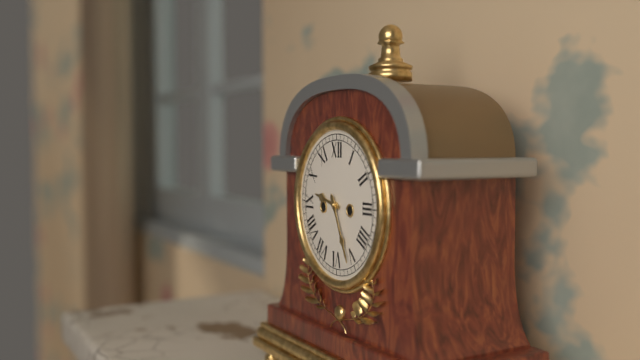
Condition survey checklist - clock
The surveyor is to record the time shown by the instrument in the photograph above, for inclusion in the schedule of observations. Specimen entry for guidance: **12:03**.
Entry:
**9:26**
